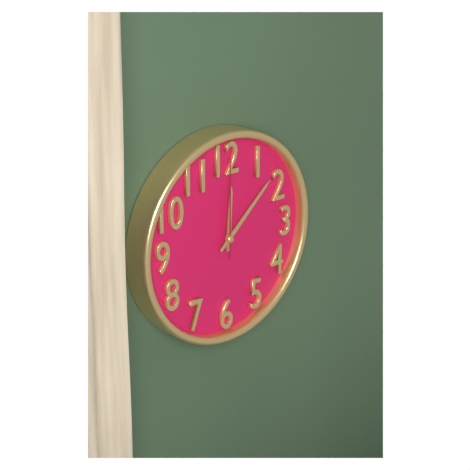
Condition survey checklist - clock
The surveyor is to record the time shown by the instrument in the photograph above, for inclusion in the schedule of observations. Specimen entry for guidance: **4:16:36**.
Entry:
**12:08:00**
